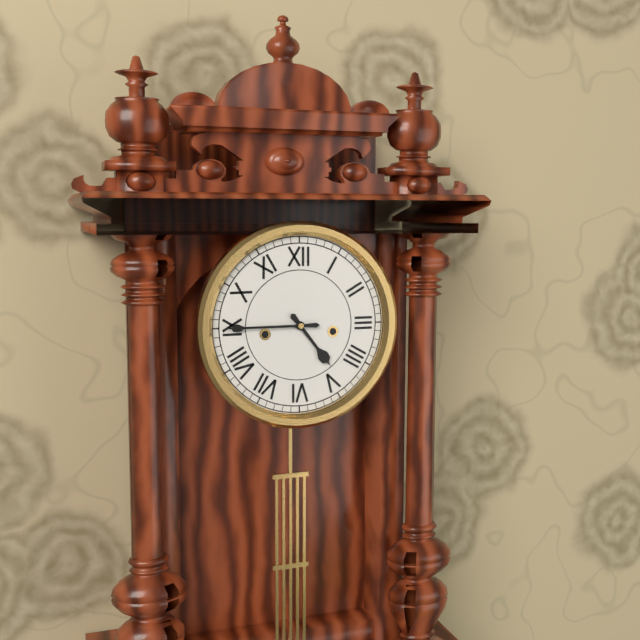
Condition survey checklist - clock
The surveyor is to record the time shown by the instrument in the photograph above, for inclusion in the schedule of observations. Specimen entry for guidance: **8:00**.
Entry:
**4:45**
